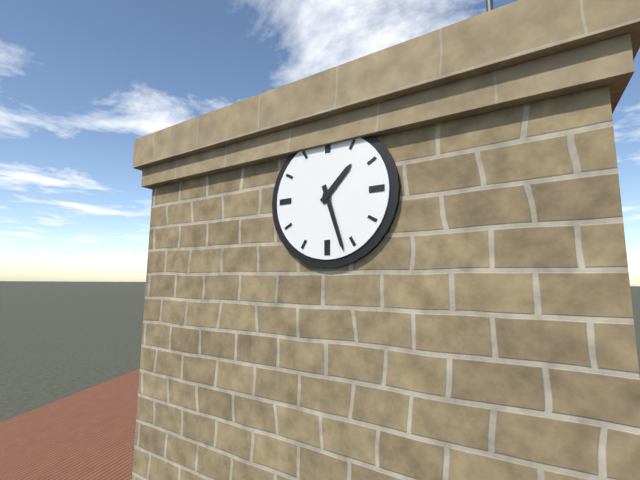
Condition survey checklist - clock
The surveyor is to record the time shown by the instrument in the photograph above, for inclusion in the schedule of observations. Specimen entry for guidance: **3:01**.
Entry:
**1:27**
